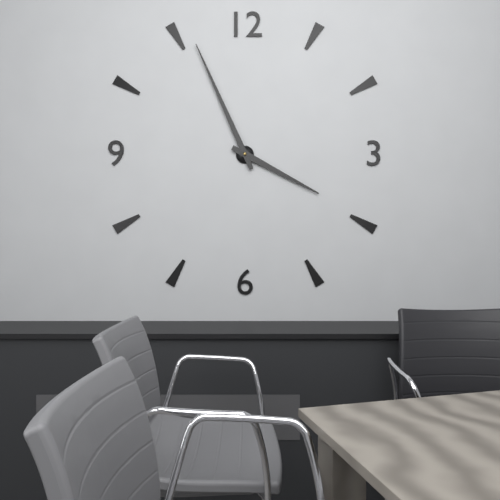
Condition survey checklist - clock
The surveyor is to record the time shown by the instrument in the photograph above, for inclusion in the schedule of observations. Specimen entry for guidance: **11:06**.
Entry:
**3:56**
